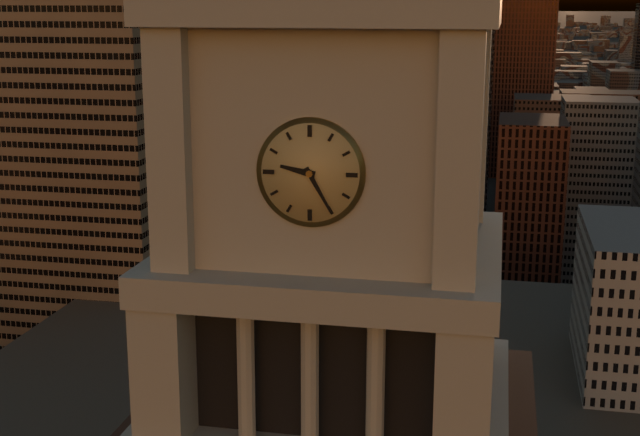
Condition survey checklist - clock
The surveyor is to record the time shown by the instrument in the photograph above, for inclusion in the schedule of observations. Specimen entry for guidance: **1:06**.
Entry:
**9:25**
